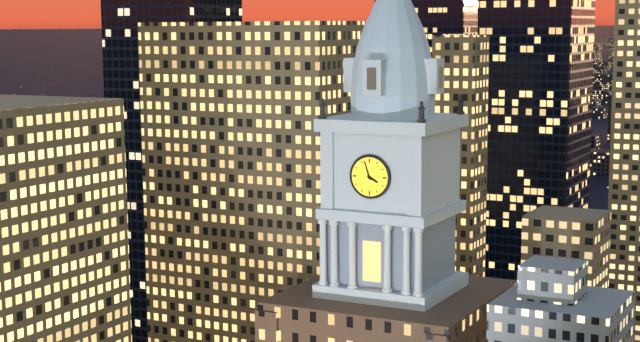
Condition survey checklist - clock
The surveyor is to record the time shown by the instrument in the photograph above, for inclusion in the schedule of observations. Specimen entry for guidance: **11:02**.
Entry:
**3:57**
